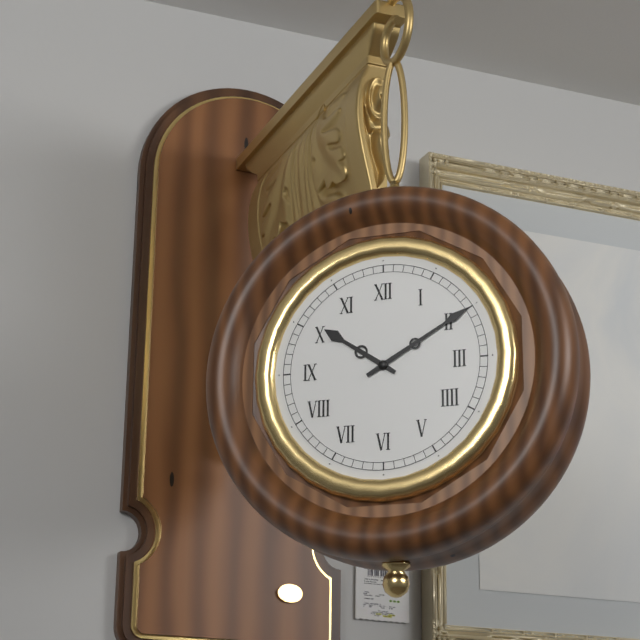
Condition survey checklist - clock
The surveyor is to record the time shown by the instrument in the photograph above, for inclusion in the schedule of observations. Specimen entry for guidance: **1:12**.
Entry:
**10:10**
